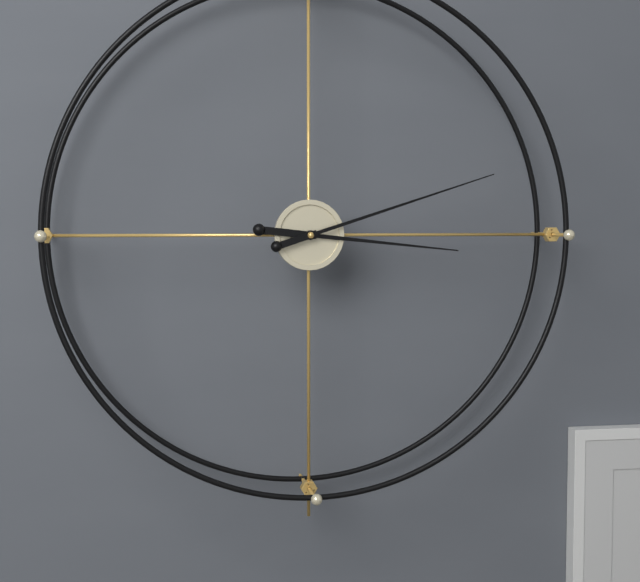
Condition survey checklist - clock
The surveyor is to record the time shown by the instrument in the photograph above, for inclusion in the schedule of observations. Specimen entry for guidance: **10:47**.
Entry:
**3:12**
